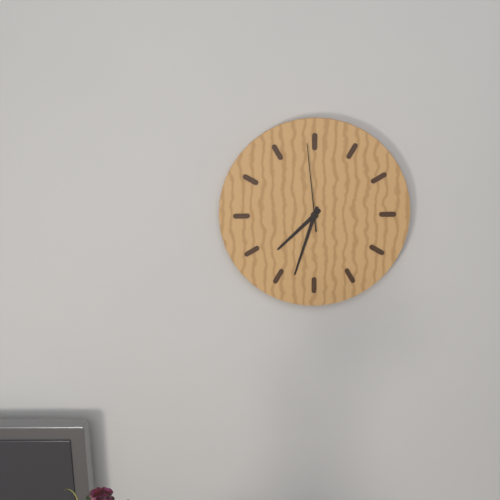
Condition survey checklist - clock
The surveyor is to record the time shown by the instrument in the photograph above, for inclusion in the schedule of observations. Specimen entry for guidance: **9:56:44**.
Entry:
**7:33:59**
